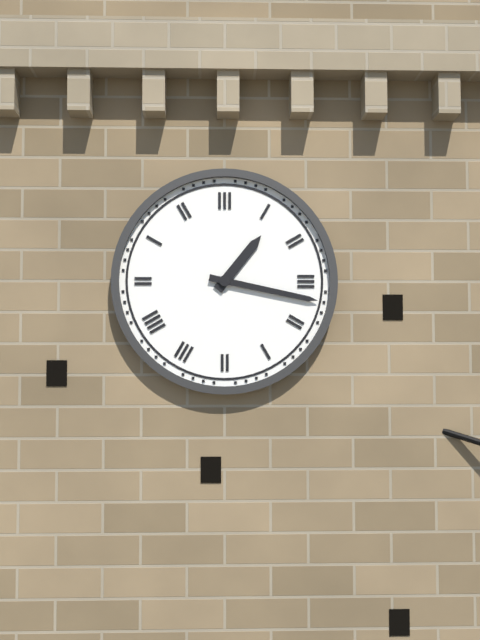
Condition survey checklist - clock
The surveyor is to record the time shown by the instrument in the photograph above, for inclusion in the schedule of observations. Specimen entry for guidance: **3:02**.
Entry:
**1:17**
